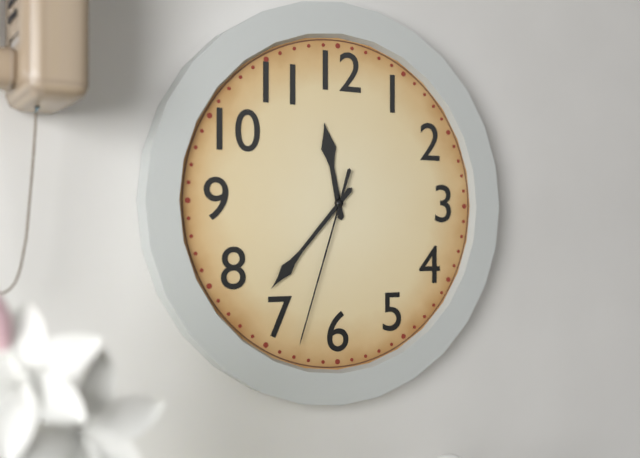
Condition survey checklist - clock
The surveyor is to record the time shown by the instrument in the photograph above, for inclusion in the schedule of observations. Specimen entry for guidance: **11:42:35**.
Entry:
**11:37:33**
